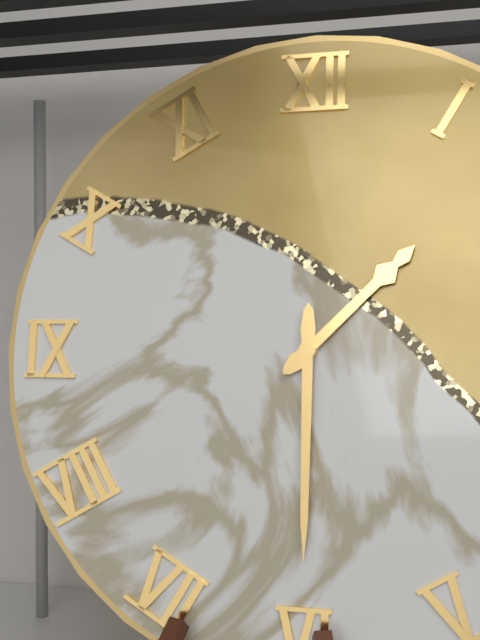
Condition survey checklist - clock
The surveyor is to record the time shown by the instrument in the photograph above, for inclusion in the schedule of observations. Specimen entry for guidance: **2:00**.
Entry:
**1:30**
